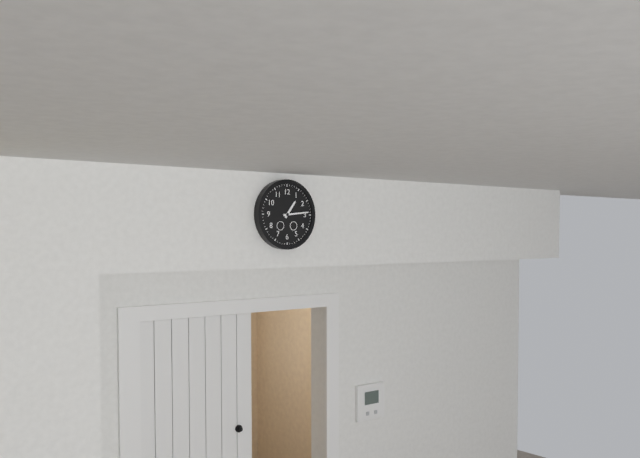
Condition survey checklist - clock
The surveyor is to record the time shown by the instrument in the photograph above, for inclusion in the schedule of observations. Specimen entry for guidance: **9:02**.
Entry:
**1:14**
